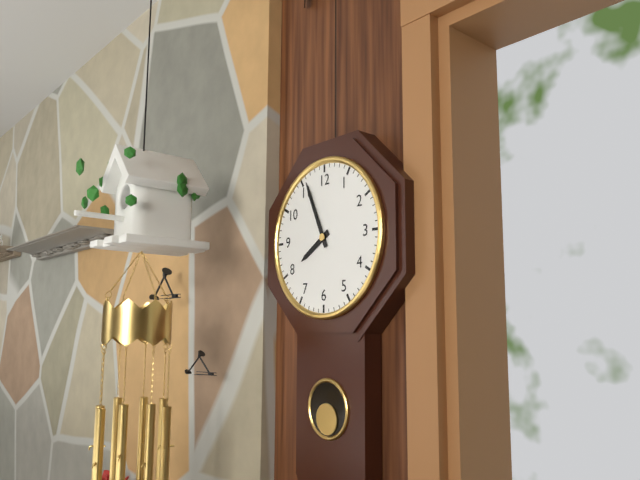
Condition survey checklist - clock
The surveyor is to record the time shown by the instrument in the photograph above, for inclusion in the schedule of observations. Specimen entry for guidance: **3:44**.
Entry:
**7:56**
